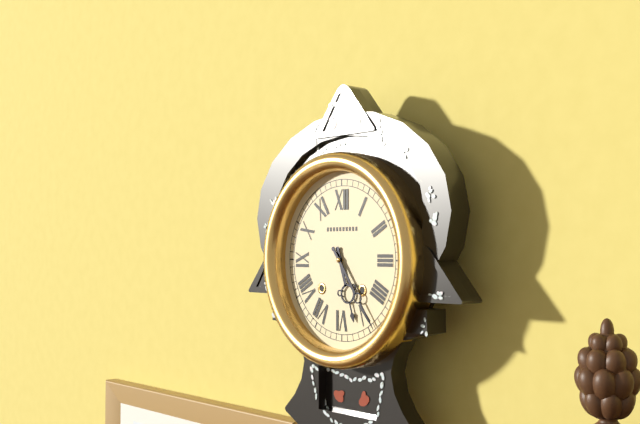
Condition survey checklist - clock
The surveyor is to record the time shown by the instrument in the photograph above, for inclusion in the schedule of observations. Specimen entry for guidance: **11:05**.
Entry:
**5:24**
